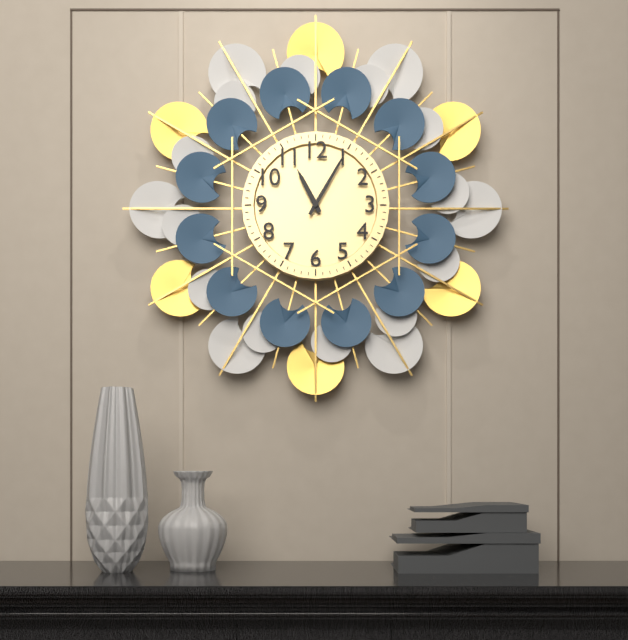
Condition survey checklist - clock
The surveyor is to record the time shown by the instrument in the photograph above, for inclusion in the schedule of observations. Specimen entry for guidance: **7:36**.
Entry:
**11:05**
